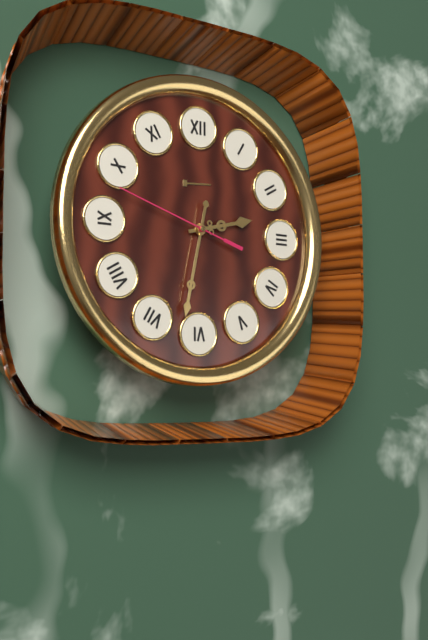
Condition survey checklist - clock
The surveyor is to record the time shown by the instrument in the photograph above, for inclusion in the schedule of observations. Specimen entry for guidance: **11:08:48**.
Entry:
**2:32:48**
